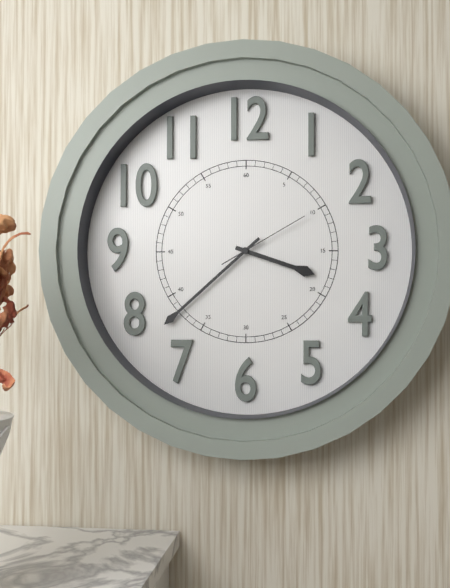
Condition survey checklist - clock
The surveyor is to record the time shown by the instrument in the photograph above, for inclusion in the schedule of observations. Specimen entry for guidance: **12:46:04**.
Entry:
**3:38:10**
